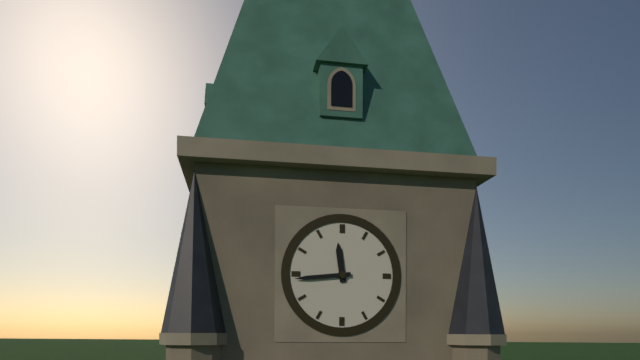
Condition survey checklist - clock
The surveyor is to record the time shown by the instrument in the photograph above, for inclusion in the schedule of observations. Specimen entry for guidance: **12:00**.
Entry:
**11:44**
